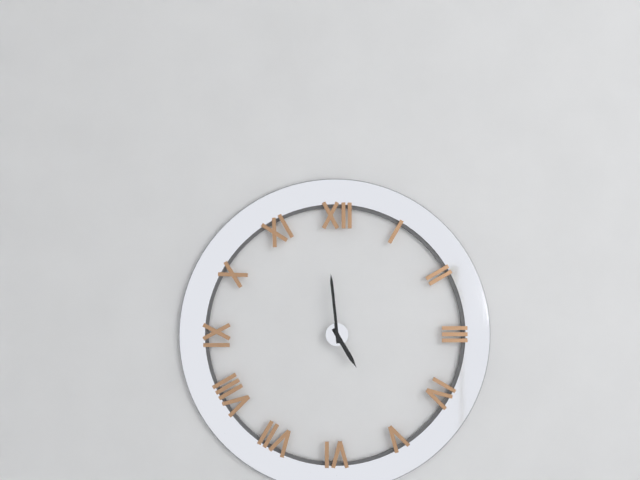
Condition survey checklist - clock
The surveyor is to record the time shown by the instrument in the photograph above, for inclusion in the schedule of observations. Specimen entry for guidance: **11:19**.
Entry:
**4:59**
